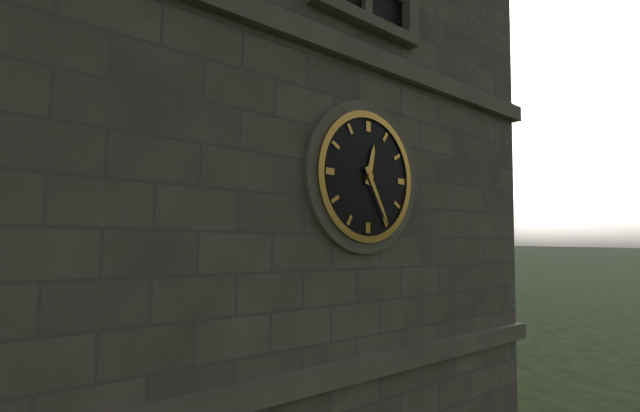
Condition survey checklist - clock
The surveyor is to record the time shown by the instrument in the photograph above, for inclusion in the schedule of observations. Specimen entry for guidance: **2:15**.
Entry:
**12:25**
